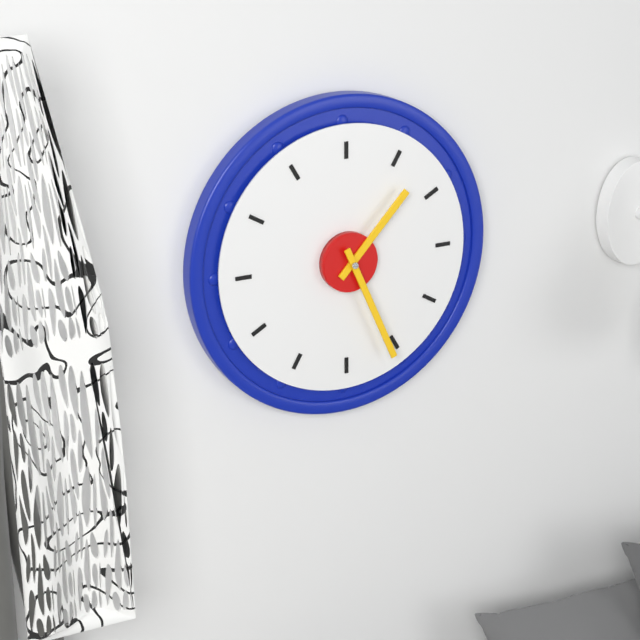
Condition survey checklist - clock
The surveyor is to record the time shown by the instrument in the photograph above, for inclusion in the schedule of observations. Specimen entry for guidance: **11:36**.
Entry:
**1:26**
